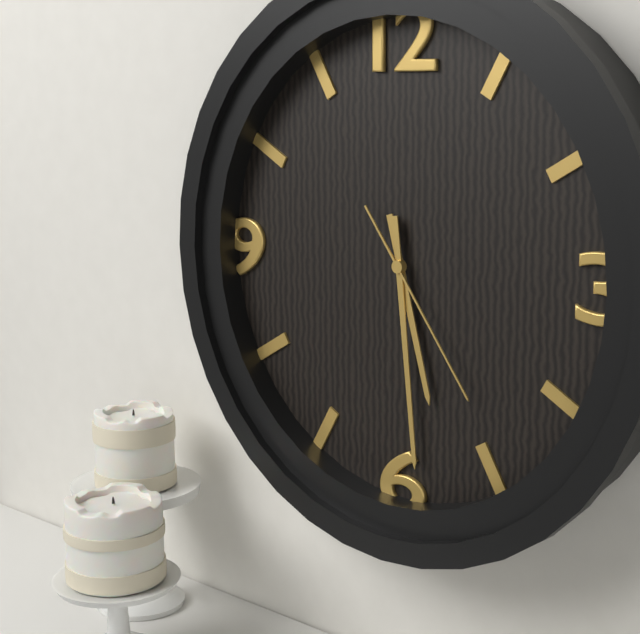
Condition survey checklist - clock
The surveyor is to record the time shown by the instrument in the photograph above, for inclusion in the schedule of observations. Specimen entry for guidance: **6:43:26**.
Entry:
**5:29:24**
